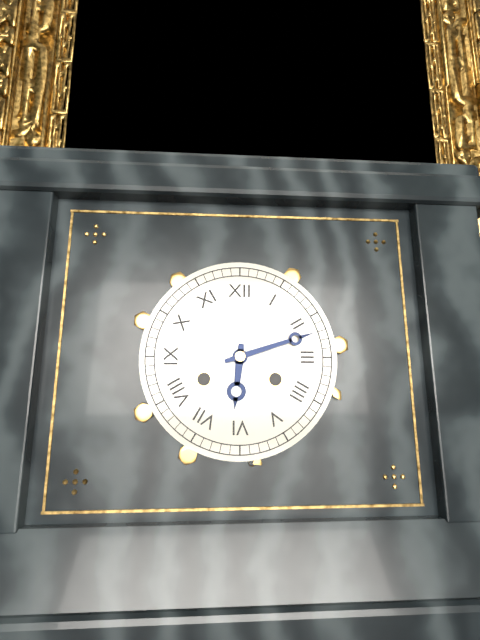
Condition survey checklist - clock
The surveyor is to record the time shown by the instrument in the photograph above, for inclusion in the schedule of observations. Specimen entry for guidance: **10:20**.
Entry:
**6:12**
